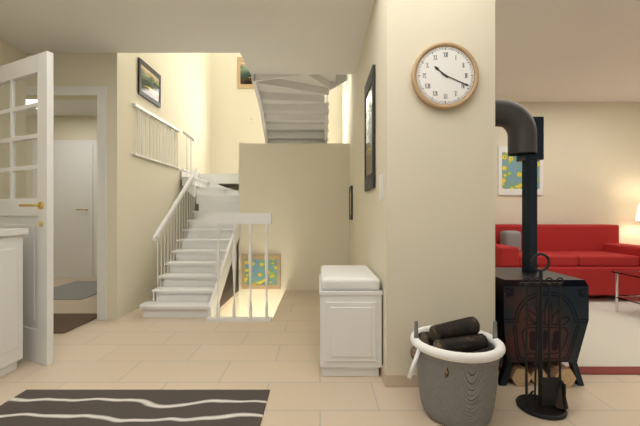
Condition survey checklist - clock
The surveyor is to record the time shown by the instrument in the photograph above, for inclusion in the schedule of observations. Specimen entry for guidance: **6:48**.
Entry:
**10:19**
